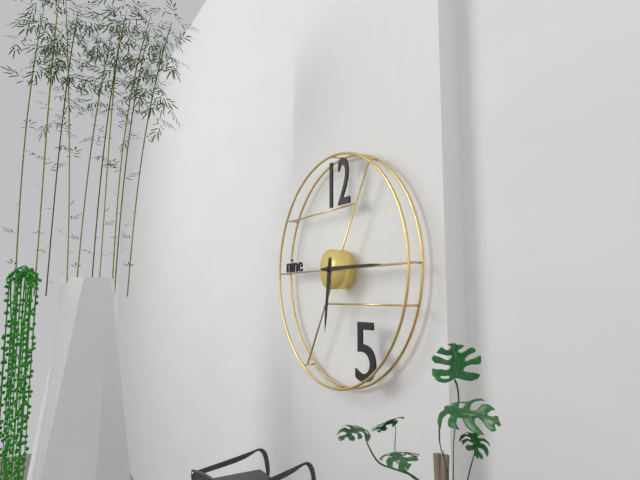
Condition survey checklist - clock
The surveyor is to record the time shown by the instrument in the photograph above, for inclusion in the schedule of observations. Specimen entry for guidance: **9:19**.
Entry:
**6:15**
